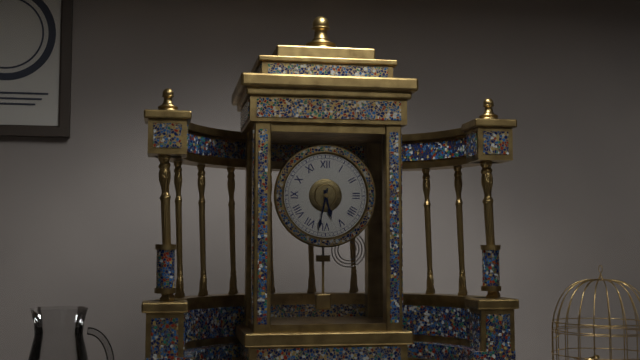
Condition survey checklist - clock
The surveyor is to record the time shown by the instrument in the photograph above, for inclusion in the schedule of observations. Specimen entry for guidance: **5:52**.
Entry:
**5:32**
